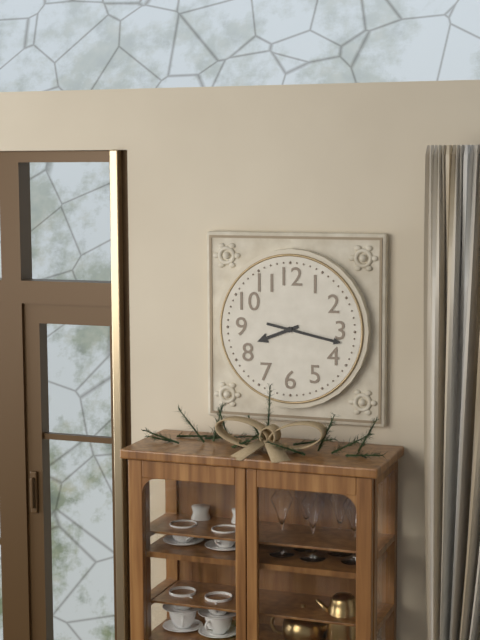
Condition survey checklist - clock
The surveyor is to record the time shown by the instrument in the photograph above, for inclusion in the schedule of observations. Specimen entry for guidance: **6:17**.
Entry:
**8:17**
